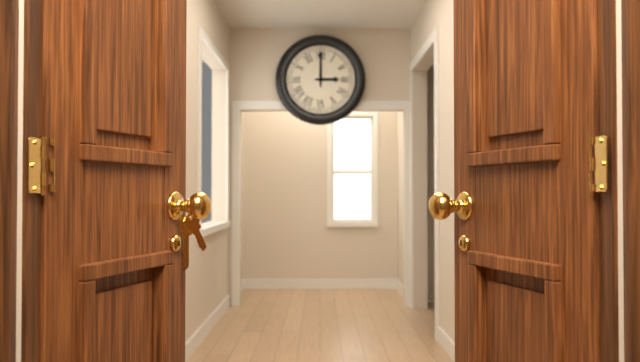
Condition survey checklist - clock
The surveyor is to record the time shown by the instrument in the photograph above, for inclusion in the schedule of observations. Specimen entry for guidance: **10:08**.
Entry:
**3:00**
